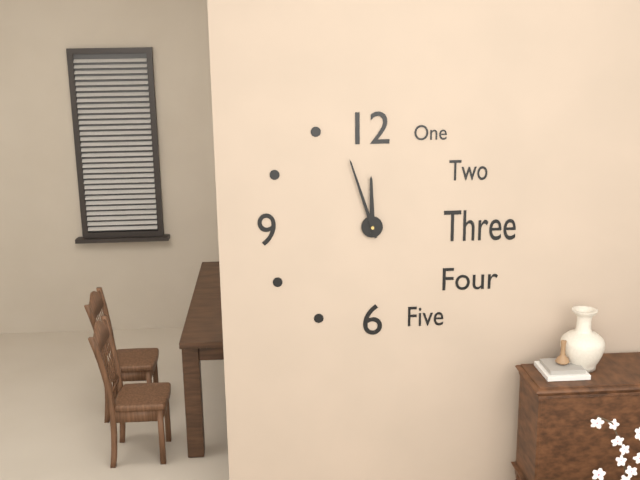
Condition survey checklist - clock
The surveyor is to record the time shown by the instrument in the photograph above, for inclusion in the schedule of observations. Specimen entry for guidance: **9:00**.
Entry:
**11:57**
